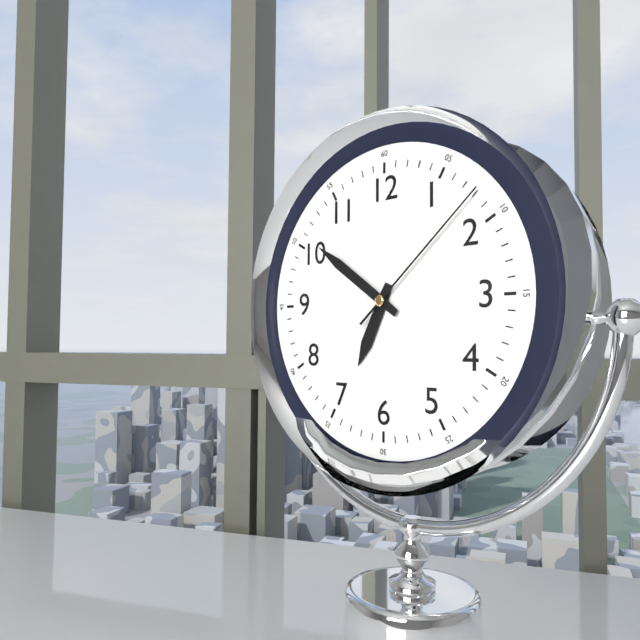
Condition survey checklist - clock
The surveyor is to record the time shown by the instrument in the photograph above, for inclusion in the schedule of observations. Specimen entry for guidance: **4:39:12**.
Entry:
**6:51:08**
